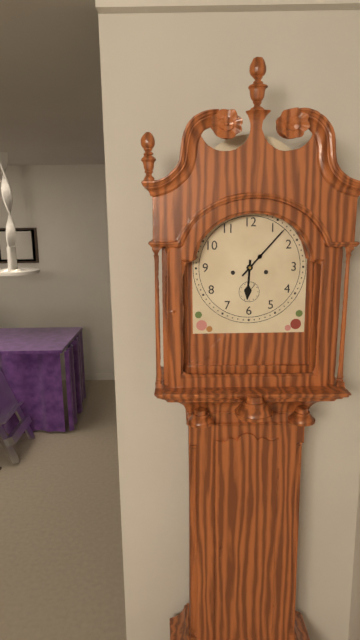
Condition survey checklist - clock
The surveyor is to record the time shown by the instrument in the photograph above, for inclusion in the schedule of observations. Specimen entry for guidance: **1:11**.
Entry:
**6:07**
